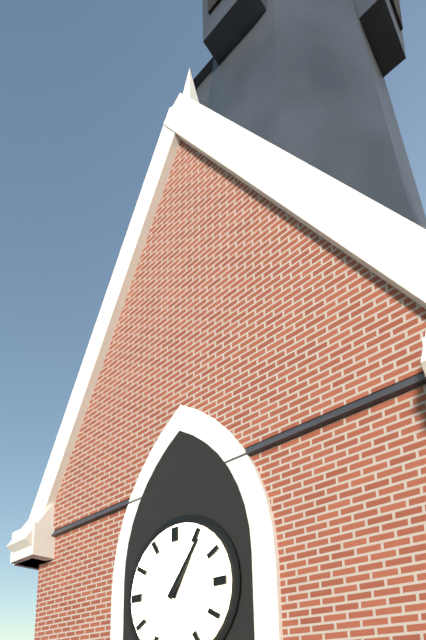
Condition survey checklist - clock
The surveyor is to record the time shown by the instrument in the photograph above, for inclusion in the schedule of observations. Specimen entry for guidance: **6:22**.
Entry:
**1:06**
